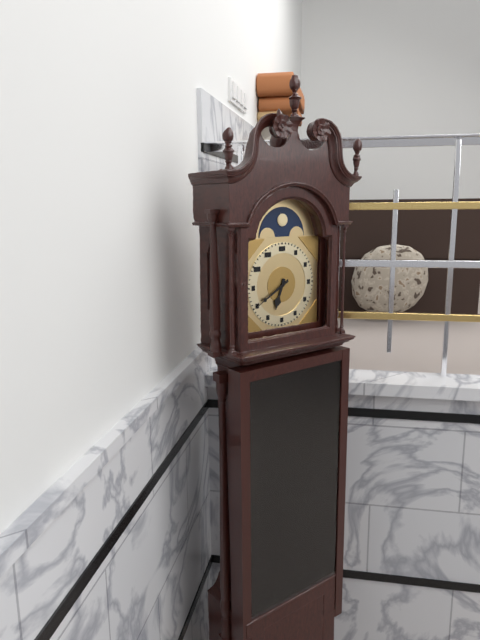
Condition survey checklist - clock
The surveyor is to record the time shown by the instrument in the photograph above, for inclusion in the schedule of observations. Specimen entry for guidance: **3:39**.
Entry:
**6:40**
